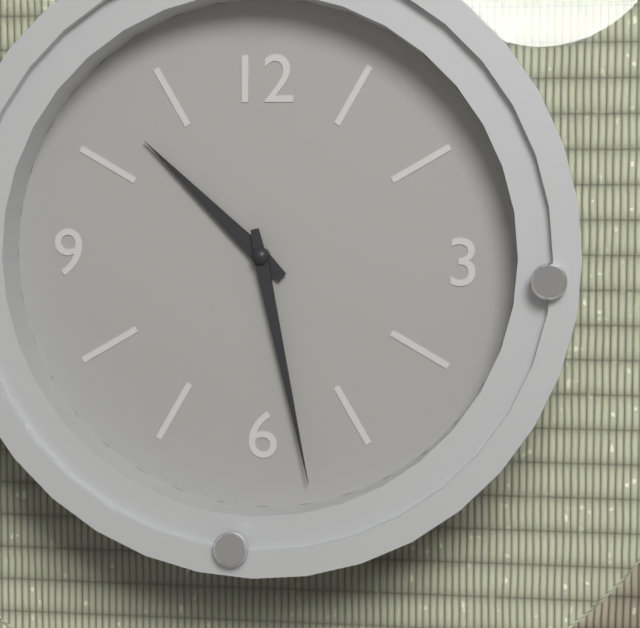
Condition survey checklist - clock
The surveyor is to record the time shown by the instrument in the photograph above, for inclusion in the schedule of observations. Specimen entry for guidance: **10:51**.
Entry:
**10:28**
